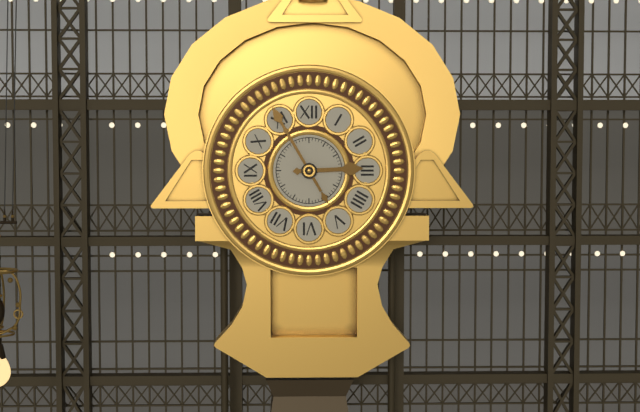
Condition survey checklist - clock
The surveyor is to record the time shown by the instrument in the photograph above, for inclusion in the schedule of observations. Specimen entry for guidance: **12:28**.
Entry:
**2:55**
